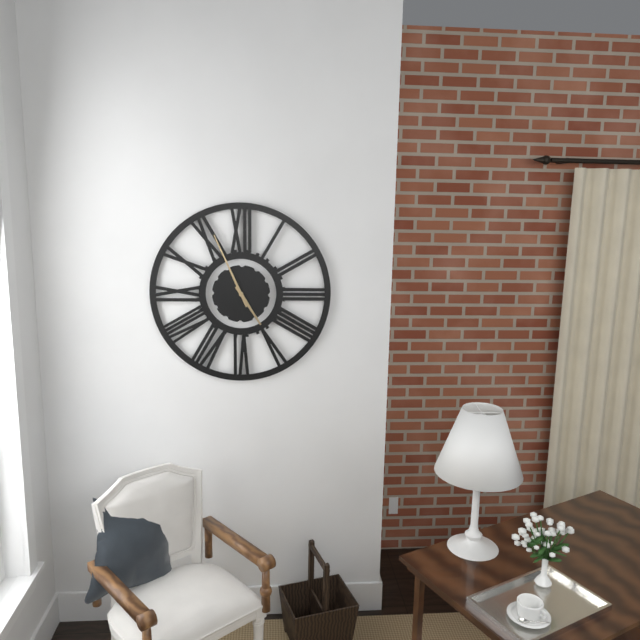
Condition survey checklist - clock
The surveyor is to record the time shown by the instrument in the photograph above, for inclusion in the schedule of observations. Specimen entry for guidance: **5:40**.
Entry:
**4:56**
